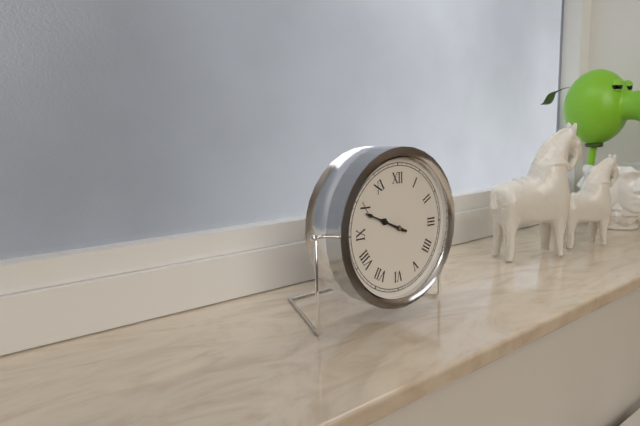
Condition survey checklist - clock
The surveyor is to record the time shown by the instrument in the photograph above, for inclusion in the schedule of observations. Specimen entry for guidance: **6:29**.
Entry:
**9:49**
